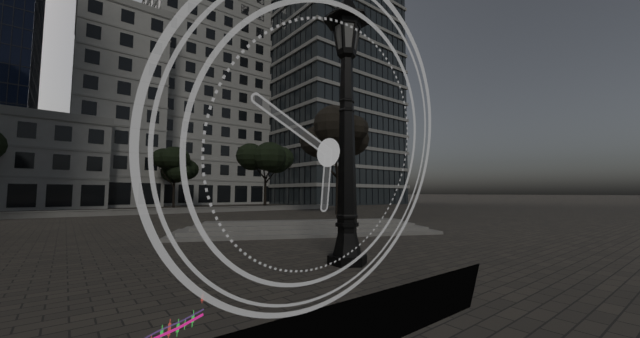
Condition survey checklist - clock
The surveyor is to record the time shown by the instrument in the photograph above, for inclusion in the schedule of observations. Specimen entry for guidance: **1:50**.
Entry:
**5:49**
